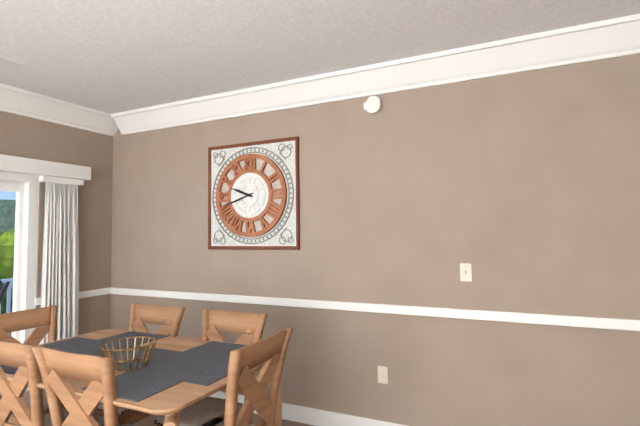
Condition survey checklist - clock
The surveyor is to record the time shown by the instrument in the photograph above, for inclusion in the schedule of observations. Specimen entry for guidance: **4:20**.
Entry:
**9:42**
